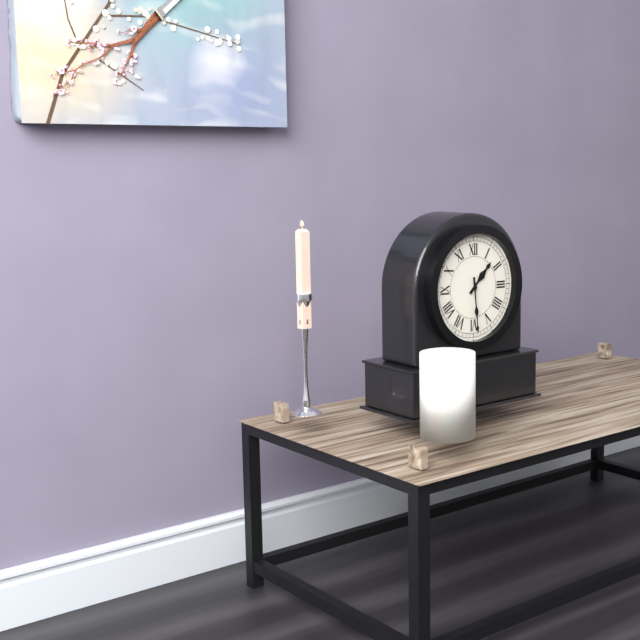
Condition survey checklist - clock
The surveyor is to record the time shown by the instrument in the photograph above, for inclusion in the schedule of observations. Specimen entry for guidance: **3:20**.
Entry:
**1:29**
